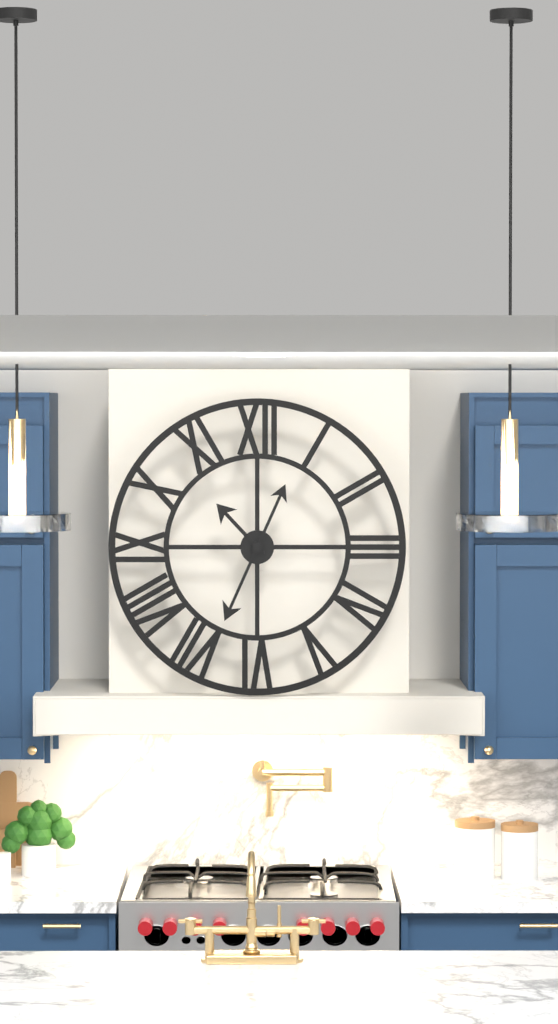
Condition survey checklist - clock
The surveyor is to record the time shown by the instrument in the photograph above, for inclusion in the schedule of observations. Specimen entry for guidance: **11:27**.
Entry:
**10:34**
